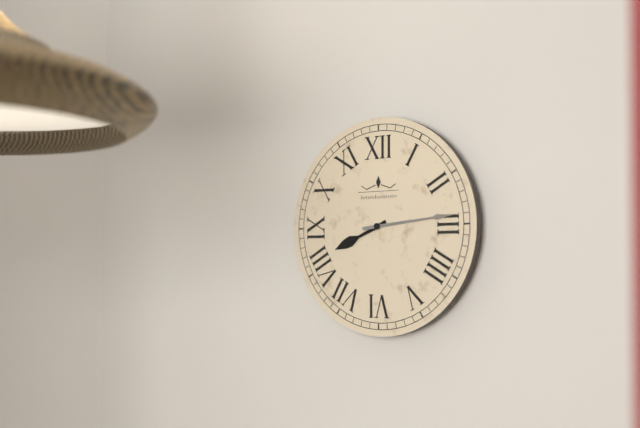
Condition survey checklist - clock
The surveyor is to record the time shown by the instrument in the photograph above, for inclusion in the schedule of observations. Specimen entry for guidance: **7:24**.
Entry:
**8:14**
